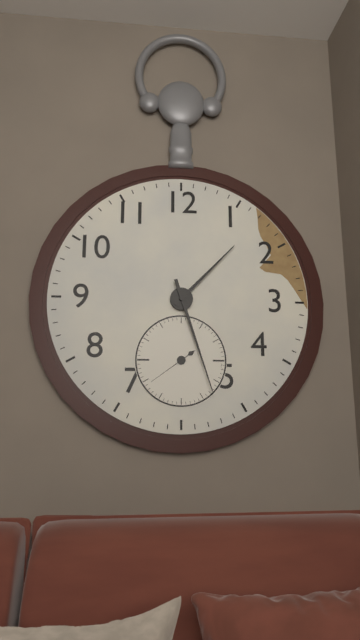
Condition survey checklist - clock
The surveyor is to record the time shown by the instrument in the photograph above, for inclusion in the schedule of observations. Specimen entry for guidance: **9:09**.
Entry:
**1:27**
